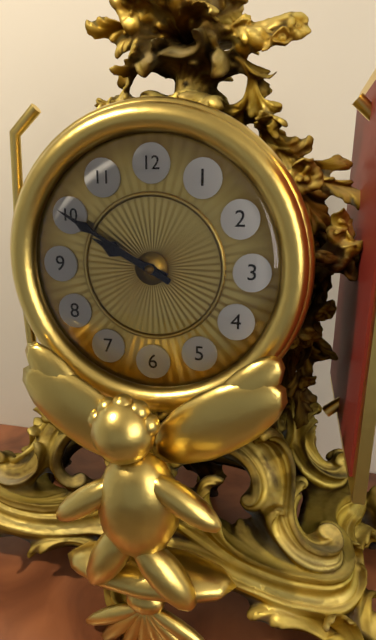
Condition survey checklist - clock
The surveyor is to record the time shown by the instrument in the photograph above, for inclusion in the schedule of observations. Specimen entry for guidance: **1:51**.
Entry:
**9:50**
